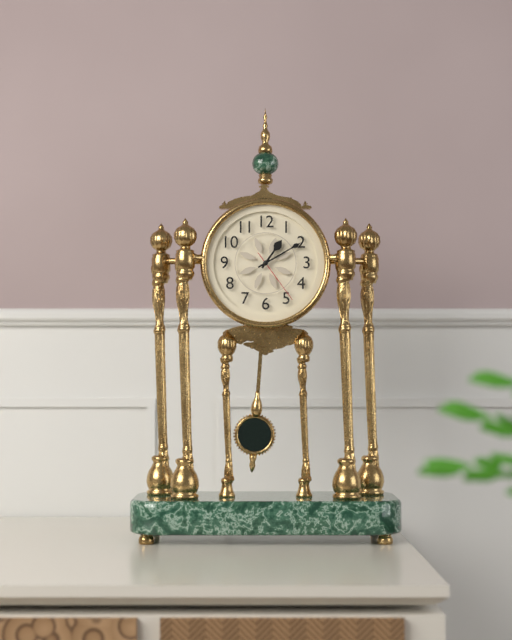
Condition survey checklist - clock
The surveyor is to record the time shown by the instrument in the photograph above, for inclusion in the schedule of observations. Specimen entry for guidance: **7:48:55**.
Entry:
**1:10:24**
